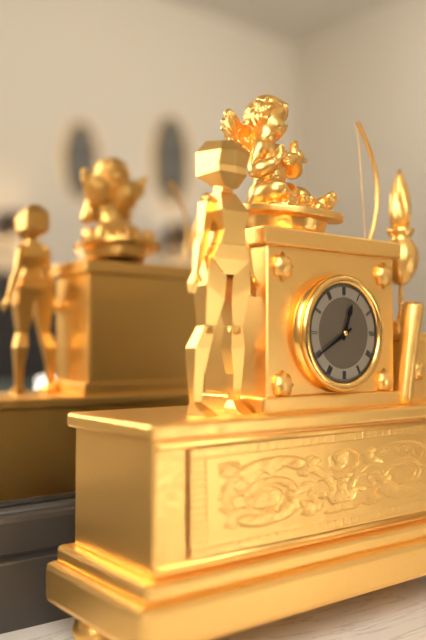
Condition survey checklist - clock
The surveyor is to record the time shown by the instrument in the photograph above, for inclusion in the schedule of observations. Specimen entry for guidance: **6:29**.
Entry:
**12:40**
